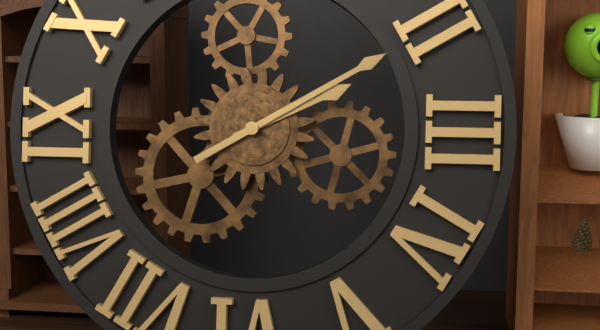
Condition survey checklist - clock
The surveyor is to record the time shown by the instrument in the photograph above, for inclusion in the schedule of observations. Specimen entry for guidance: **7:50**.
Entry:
**2:10**
